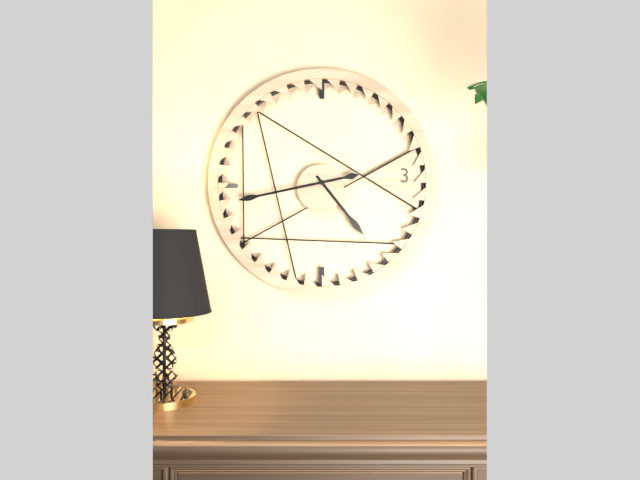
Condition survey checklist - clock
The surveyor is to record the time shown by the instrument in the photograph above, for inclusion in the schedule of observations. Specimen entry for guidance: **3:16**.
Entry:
**4:43**
